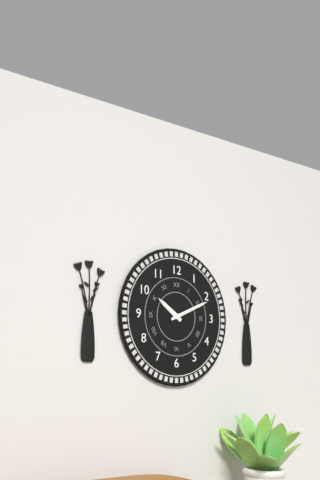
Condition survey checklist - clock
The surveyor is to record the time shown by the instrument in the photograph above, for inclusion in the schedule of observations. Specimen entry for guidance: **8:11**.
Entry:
**10:11**
